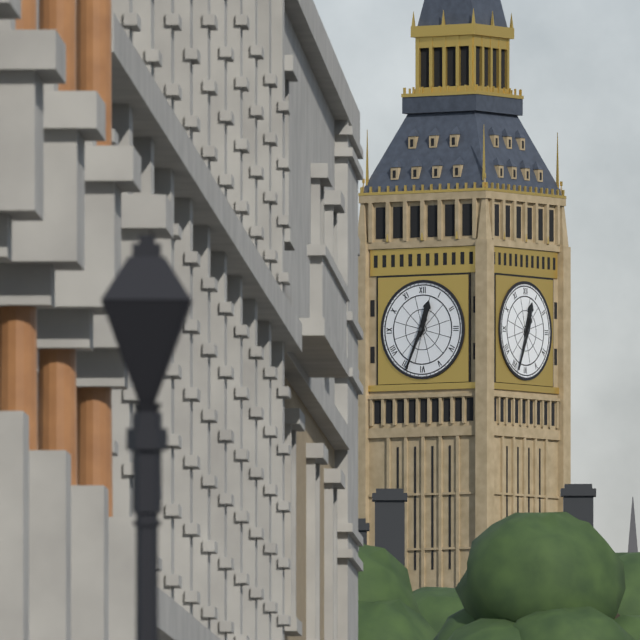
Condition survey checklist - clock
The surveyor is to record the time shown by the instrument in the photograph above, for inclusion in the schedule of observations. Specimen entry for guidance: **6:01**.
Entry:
**12:34**
